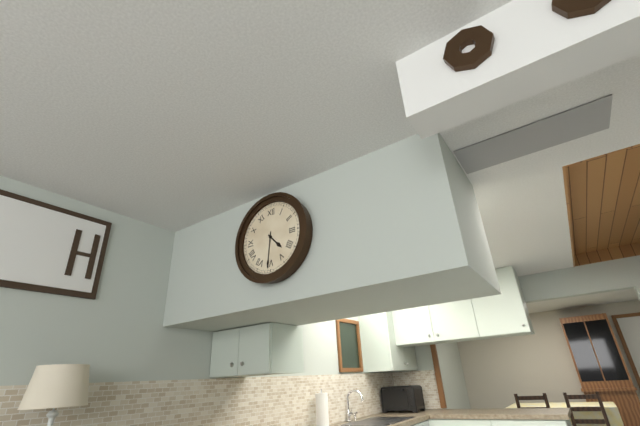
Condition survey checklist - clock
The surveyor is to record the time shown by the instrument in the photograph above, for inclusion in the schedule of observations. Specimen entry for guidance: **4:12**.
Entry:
**4:31**
